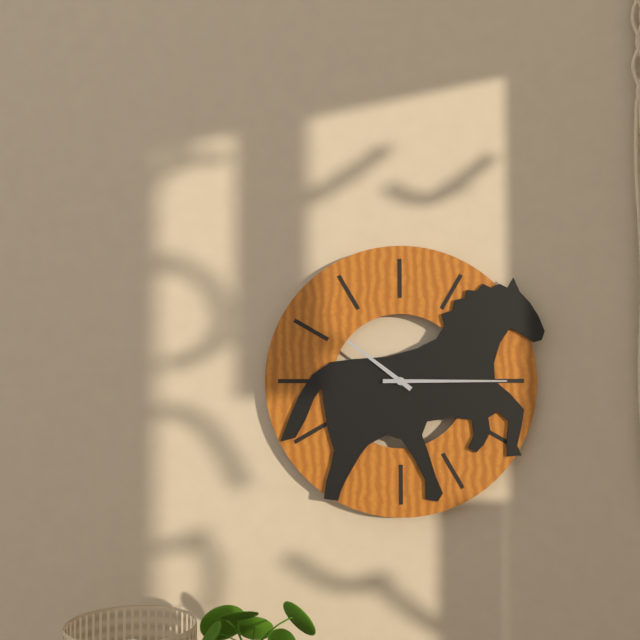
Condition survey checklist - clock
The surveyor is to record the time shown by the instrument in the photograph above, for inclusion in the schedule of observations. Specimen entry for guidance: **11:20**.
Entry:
**10:15**
